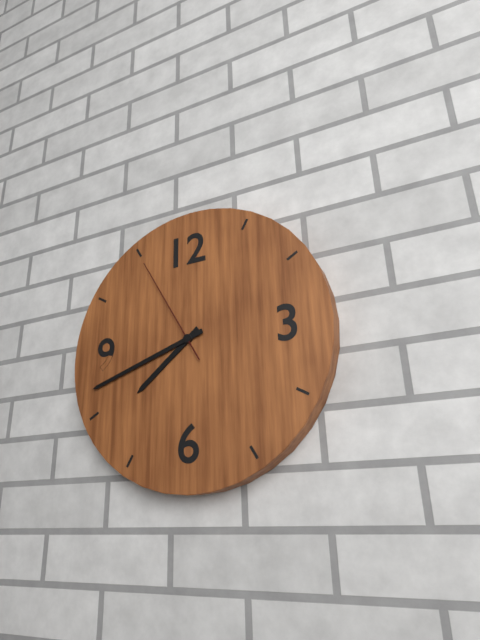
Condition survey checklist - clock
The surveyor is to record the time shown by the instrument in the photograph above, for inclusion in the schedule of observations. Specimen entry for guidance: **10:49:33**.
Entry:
**7:42:55**
